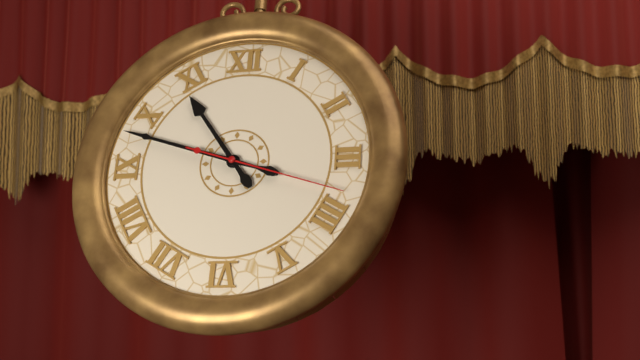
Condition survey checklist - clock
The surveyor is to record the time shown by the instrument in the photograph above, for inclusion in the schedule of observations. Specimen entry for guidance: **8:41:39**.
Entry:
**10:48:18**
